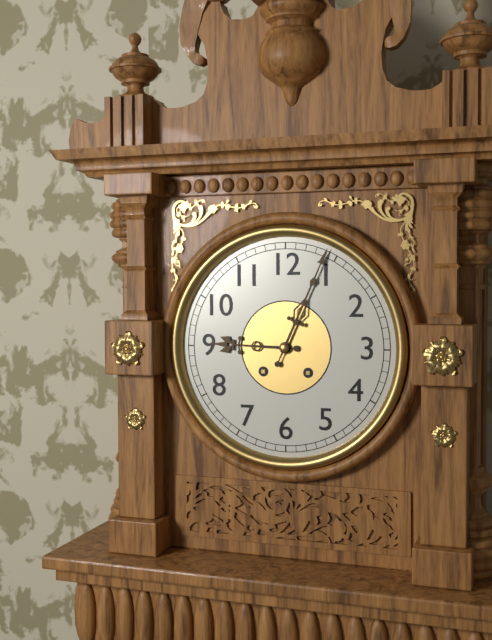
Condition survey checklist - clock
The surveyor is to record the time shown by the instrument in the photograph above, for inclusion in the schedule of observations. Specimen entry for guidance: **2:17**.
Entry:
**9:04**
